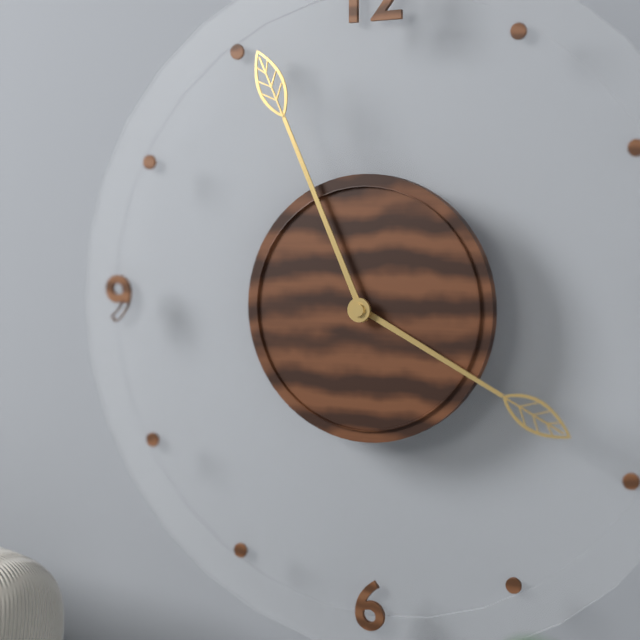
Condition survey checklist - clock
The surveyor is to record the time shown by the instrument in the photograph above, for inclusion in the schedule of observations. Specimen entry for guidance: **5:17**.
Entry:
**3:56**
